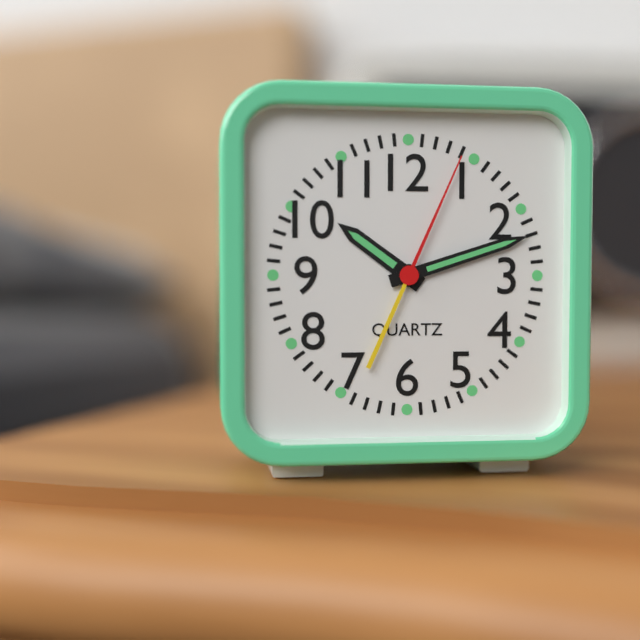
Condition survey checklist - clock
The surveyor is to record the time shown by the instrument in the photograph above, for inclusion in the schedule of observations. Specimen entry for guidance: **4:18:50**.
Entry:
**10:12:04**
